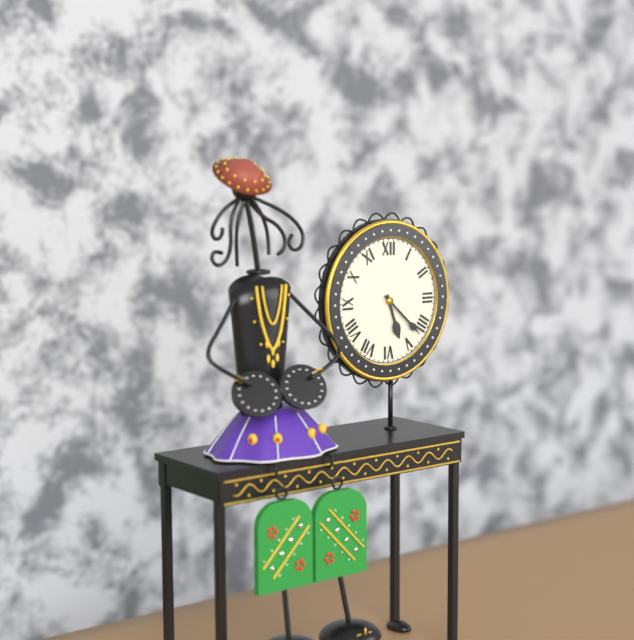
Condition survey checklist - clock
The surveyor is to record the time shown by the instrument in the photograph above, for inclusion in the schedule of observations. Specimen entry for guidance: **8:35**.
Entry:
**5:22**
